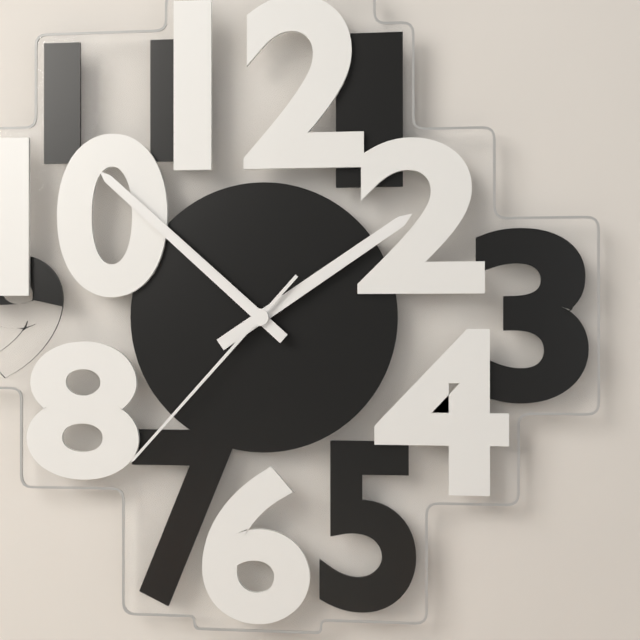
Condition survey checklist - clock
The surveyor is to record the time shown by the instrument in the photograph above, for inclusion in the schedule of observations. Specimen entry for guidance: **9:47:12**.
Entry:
**1:52:37**
